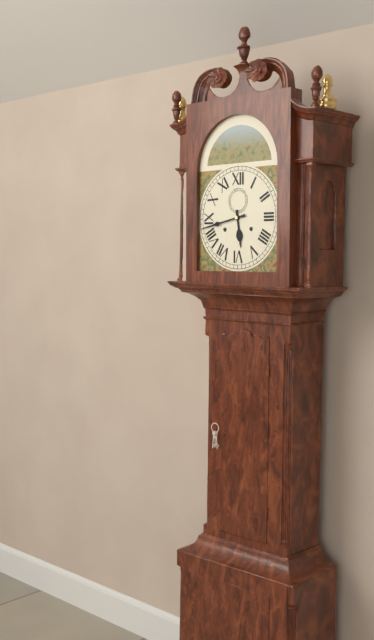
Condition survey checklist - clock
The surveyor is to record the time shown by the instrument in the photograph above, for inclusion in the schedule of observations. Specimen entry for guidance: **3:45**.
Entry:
**5:43**
